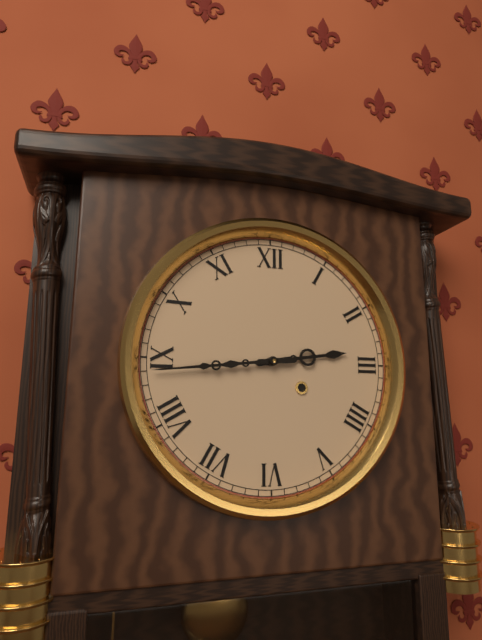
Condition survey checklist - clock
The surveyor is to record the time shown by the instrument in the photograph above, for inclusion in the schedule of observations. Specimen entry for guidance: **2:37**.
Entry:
**2:44**
